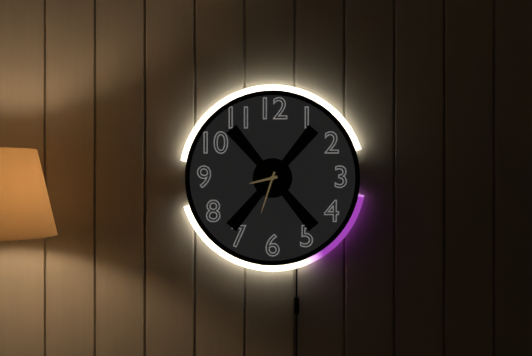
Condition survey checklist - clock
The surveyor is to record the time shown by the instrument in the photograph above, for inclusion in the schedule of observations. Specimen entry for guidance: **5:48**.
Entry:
**8:33**
